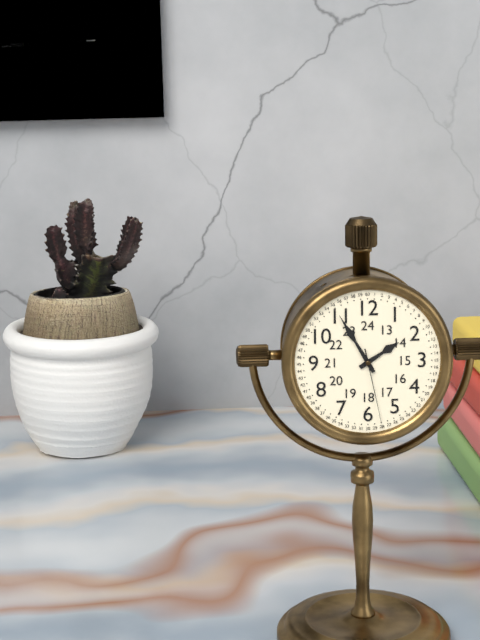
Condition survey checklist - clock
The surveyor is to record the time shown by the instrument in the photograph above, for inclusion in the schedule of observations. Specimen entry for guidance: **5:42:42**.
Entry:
**1:55:28**
